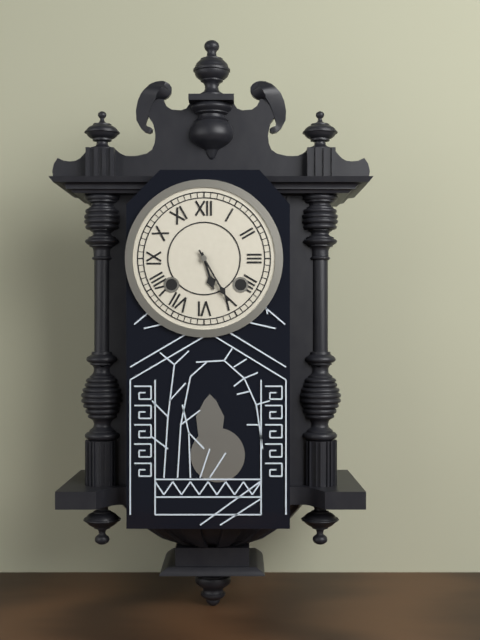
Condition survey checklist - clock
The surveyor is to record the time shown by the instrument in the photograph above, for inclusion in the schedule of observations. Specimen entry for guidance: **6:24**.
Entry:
**5:25**
